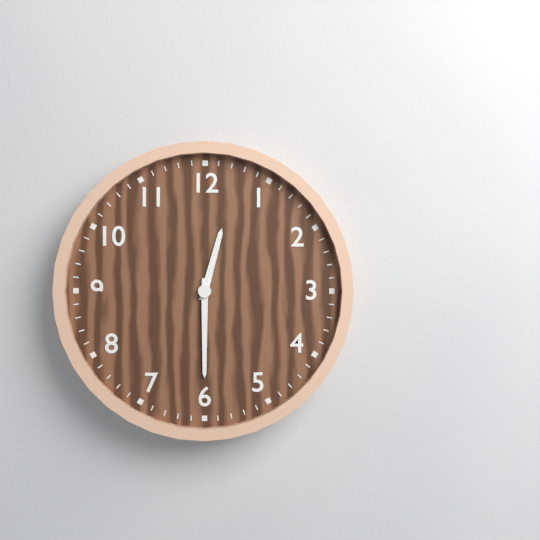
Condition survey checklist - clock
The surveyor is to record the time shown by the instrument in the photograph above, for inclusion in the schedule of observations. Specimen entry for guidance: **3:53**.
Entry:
**12:30**
